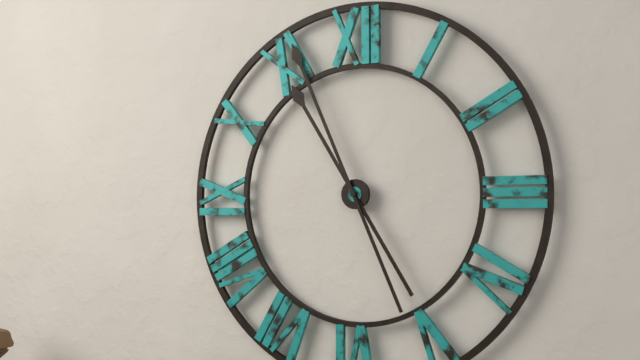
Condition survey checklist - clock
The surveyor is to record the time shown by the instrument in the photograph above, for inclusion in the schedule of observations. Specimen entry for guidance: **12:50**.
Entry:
**10:56**
